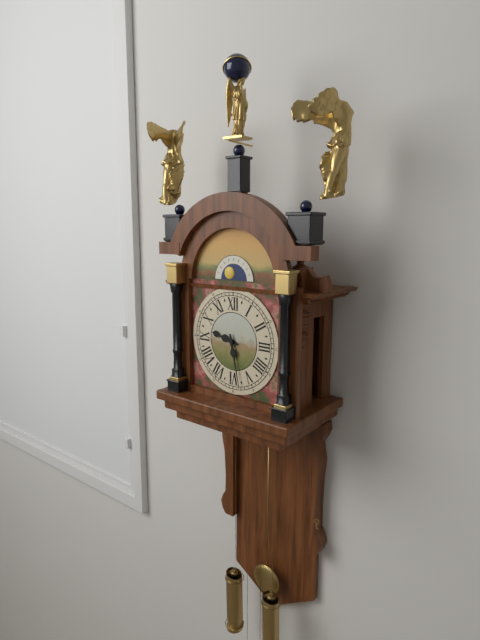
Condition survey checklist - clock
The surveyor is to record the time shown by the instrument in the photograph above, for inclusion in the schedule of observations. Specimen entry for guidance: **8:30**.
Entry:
**9:28**
